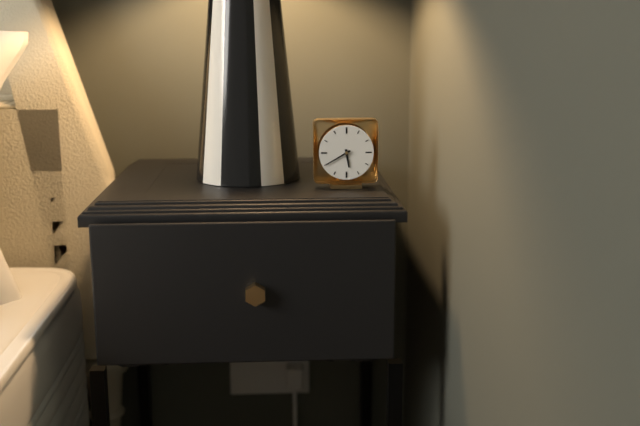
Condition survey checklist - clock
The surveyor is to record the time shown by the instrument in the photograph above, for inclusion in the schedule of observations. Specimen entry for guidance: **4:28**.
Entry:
**5:40**
